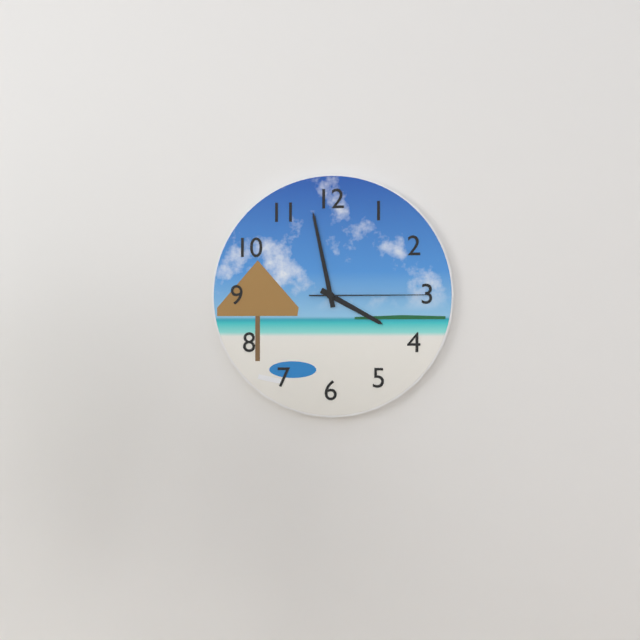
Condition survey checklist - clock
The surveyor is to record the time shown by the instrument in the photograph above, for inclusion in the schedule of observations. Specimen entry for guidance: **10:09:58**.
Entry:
**3:58:15**
